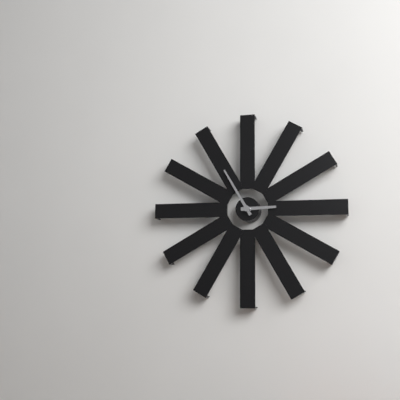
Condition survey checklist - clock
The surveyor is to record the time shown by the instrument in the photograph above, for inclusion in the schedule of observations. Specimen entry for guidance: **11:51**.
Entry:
**2:55**
